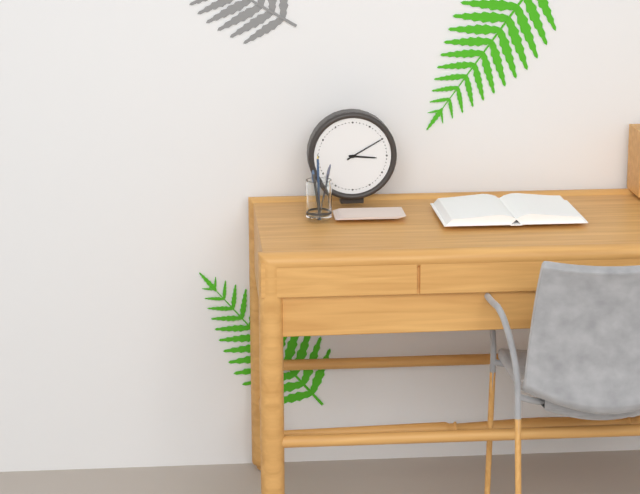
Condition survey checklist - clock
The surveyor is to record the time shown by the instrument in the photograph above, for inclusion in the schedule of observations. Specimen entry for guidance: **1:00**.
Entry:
**3:10**
